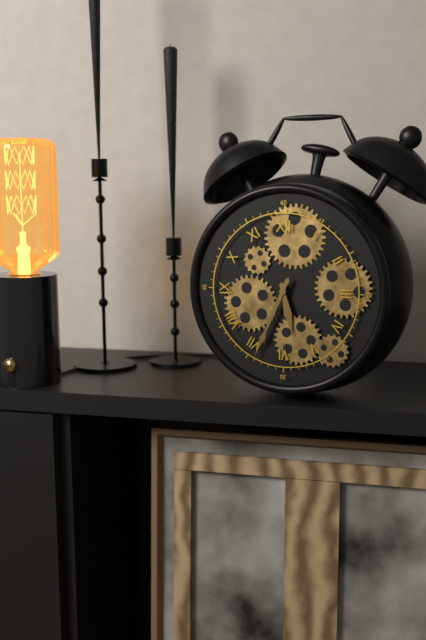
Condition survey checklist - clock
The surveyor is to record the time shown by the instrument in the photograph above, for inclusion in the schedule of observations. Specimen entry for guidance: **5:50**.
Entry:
**5:34**
